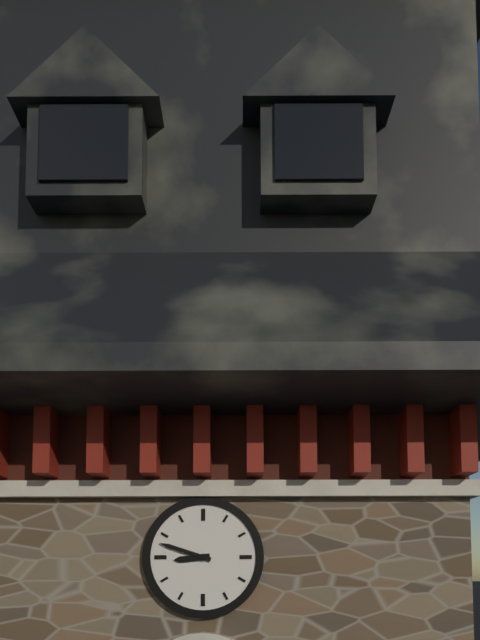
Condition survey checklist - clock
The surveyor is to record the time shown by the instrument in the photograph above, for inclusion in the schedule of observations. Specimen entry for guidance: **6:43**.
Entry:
**8:48**
